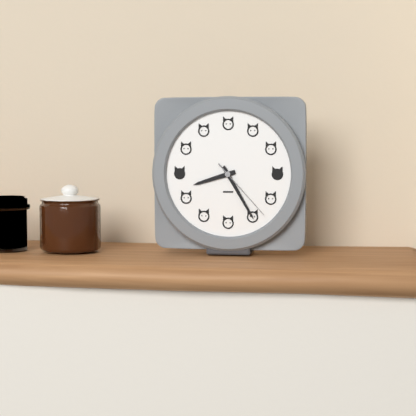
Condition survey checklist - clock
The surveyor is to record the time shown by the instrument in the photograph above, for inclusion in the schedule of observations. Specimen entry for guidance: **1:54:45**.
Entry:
**8:25:23**
